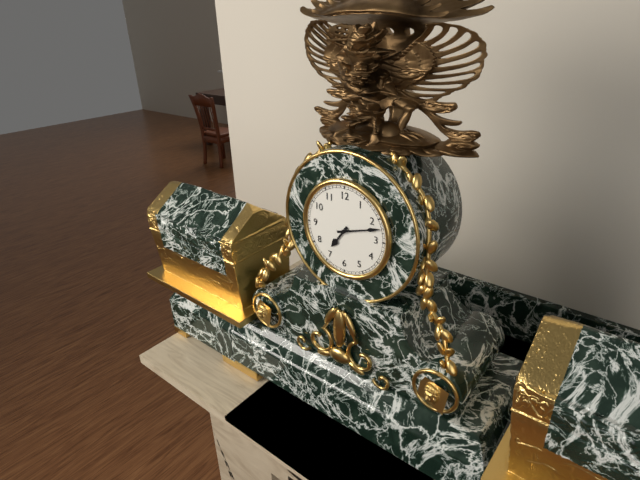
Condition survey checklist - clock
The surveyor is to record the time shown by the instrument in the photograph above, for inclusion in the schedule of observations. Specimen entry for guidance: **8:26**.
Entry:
**7:12**
